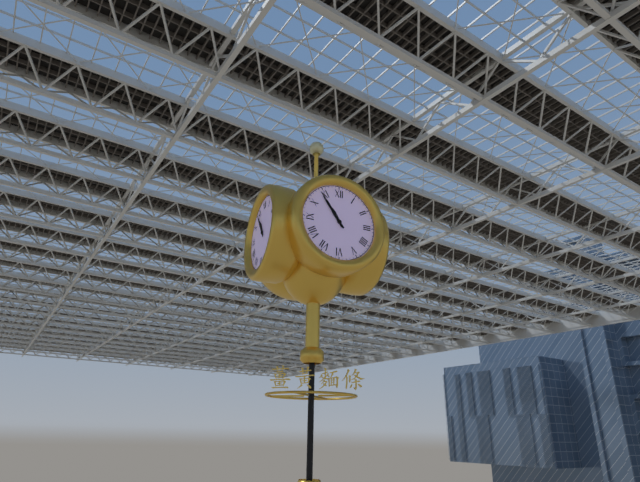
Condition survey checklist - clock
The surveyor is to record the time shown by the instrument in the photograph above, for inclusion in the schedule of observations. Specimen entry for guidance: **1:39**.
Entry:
**10:54**
